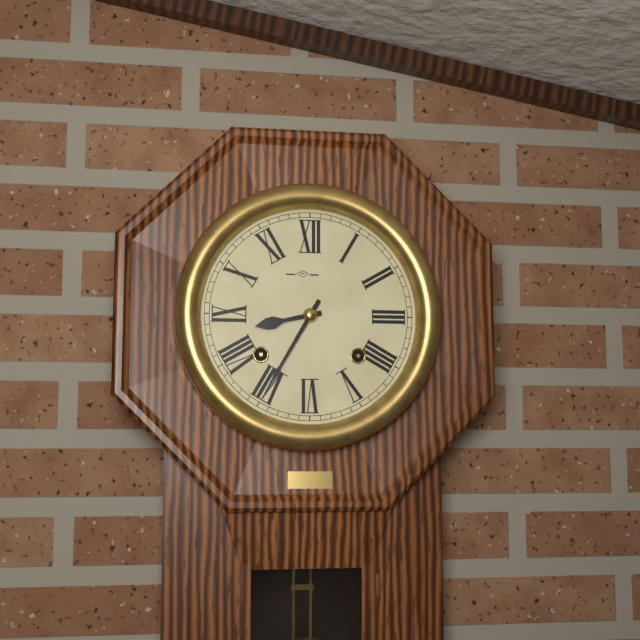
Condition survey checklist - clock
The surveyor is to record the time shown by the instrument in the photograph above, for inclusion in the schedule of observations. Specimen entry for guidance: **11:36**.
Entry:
**8:35**
